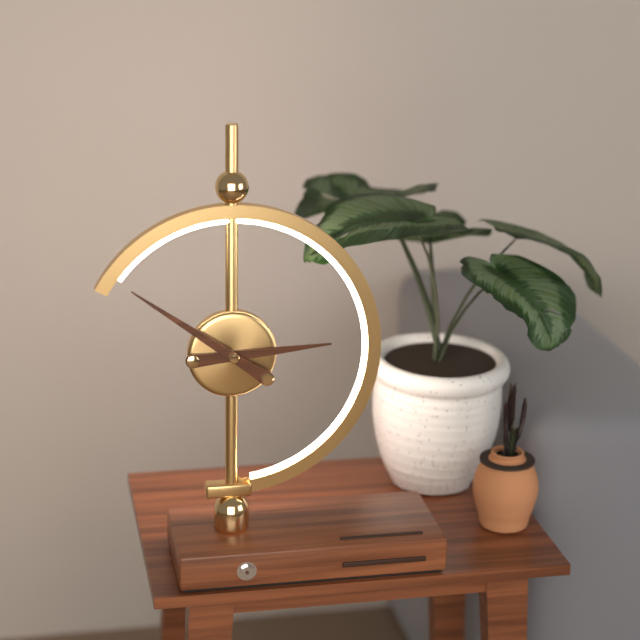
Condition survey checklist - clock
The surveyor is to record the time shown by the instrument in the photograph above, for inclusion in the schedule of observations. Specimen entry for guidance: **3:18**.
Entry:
**2:51**
